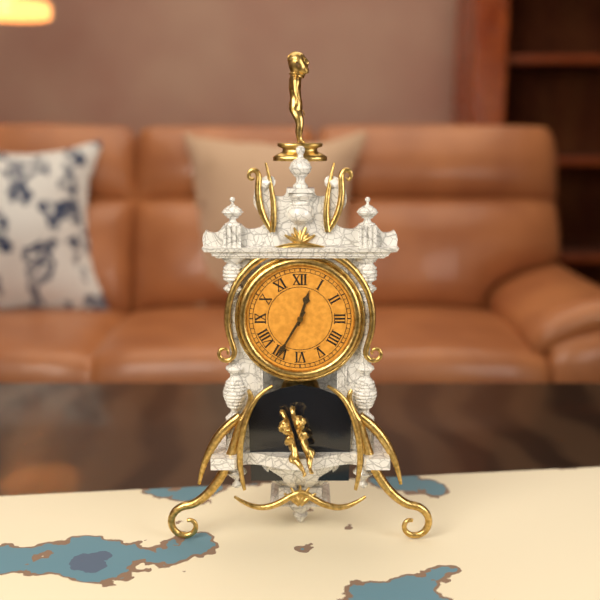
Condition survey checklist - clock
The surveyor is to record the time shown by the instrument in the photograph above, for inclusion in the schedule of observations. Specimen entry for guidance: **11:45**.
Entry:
**12:35**
